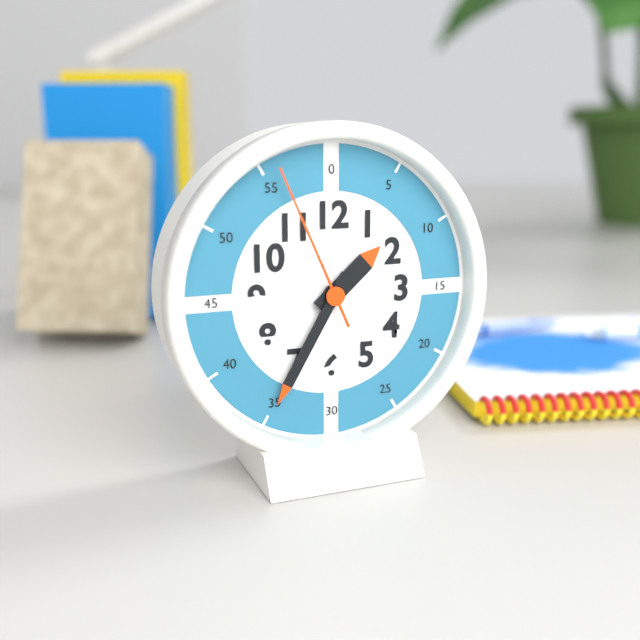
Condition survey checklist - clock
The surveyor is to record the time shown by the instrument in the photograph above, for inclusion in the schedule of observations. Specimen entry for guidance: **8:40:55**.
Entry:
**1:35:56**
